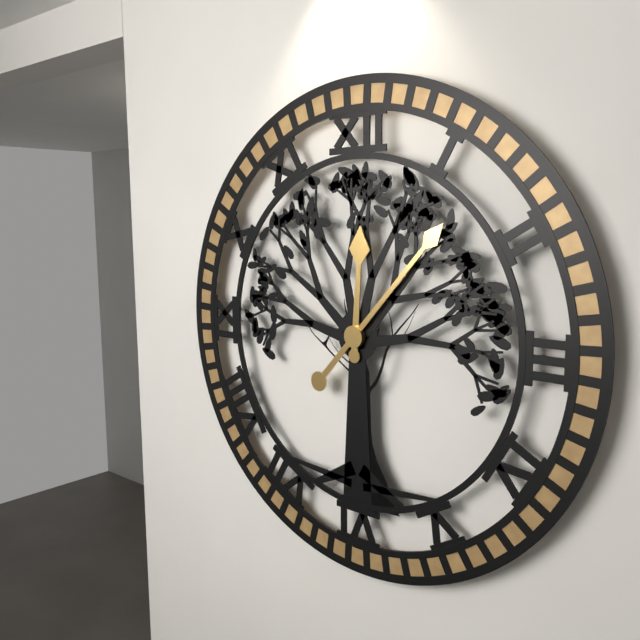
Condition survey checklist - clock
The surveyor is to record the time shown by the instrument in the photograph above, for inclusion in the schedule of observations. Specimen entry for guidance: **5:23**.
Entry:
**12:07**
